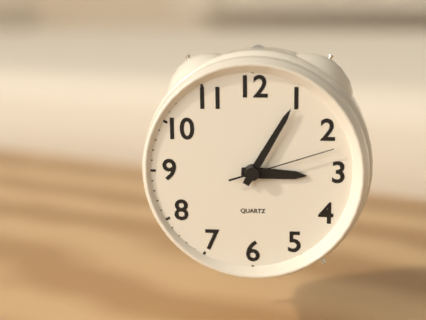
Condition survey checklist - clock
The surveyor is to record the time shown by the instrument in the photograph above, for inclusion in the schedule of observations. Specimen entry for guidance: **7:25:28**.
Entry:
**3:05:12**
